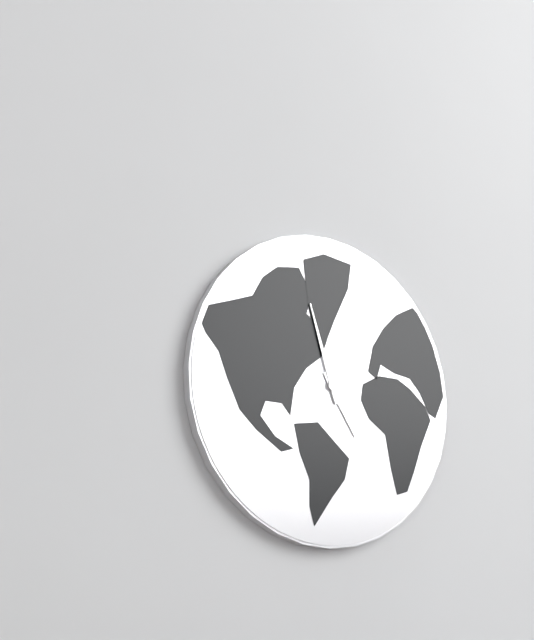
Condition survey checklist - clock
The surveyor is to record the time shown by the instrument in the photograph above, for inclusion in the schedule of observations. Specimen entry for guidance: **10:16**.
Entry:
**4:57**
